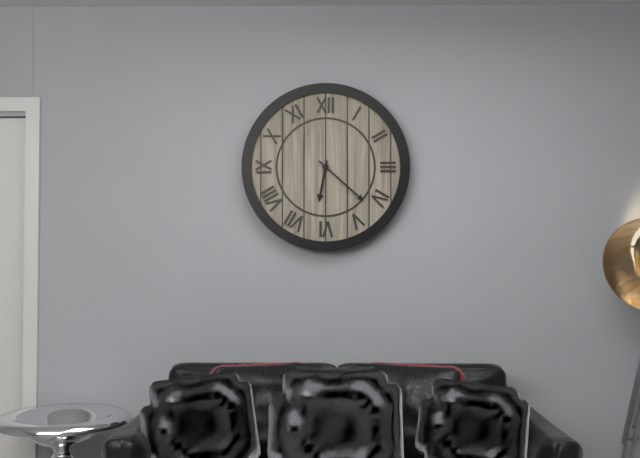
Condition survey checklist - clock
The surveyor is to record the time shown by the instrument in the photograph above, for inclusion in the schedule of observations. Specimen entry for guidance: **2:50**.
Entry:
**6:22**
